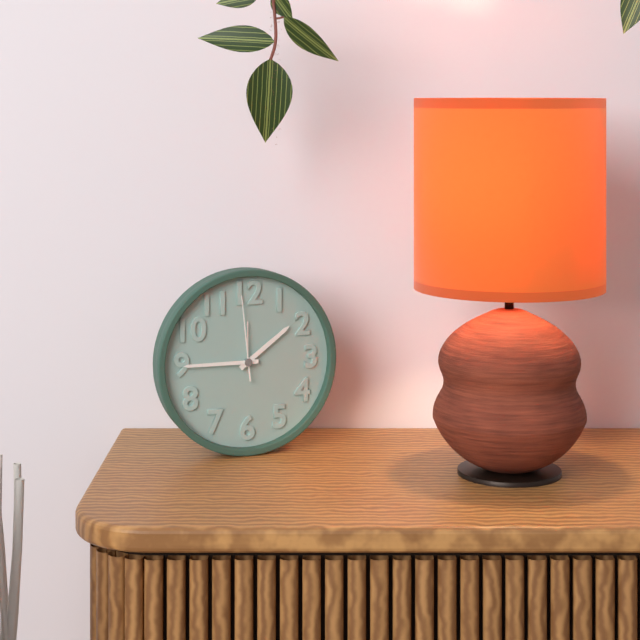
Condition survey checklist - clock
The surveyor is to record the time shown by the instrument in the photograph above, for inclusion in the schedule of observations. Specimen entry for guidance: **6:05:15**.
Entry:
**1:45:59**
